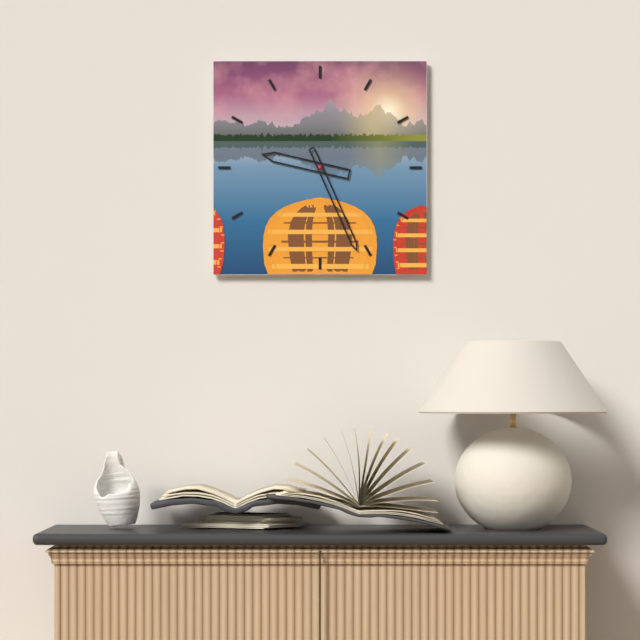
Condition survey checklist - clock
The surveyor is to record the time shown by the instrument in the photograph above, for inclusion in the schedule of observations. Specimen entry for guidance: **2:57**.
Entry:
**9:26**
